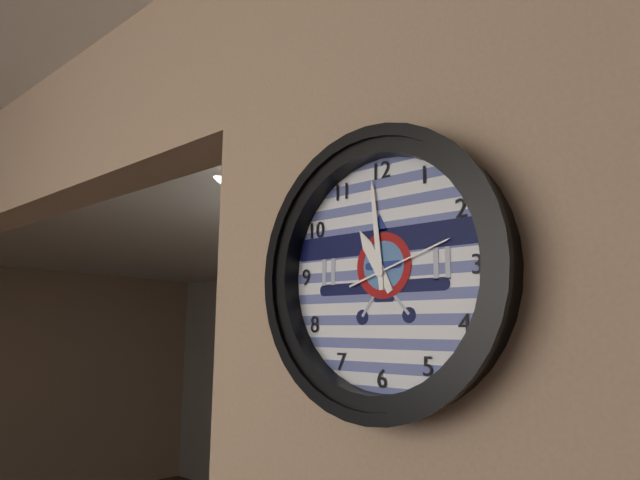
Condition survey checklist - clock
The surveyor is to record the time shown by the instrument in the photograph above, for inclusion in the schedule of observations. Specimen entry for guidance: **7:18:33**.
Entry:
**10:59:12**
